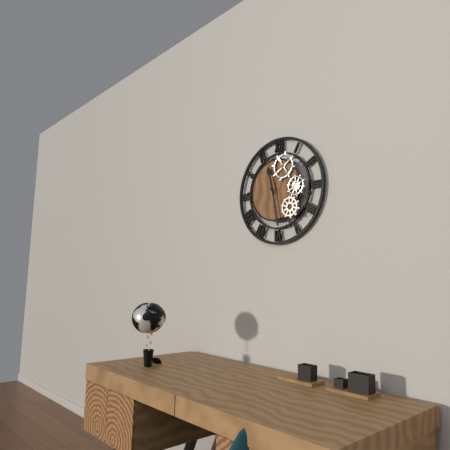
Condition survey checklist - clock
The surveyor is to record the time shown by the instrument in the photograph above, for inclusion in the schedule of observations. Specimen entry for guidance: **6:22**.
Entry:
**11:28**
